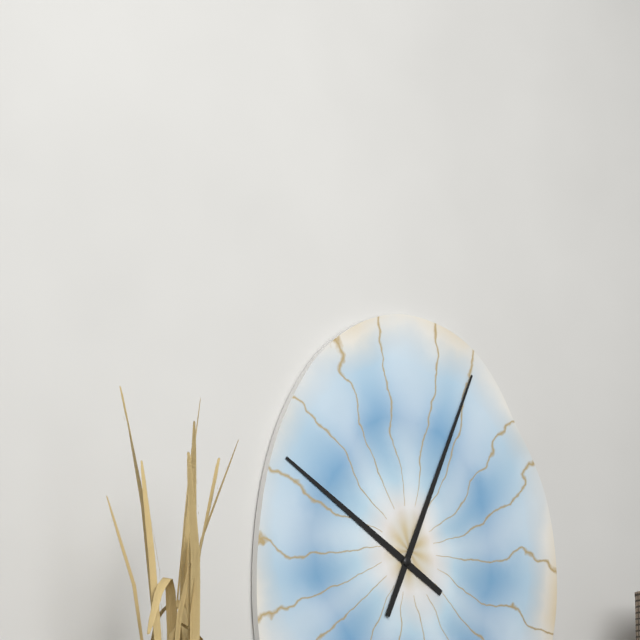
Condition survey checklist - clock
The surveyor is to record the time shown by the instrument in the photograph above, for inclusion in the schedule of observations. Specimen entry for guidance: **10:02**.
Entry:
**10:04**
